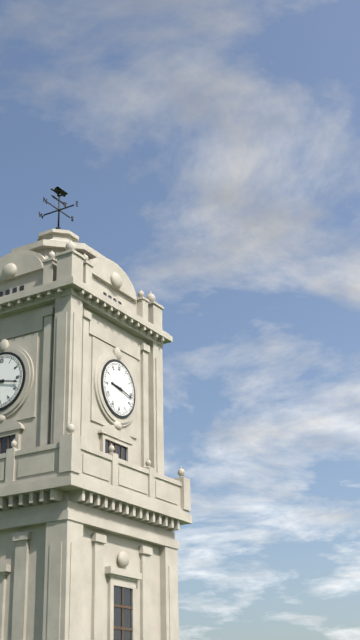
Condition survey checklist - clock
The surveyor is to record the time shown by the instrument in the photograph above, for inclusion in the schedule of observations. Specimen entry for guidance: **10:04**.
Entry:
**9:17**
